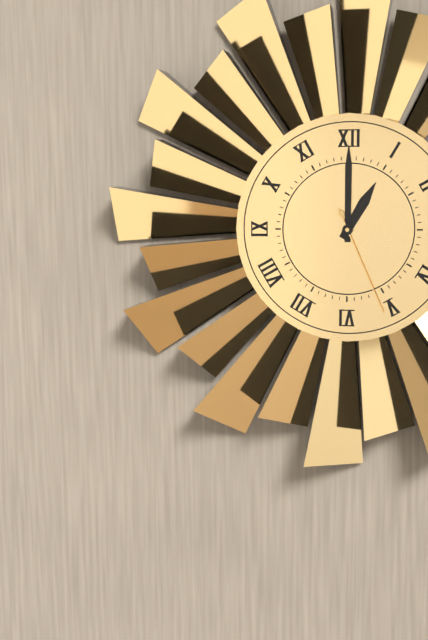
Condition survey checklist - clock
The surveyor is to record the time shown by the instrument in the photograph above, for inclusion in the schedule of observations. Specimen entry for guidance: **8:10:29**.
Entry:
**1:00:26**
